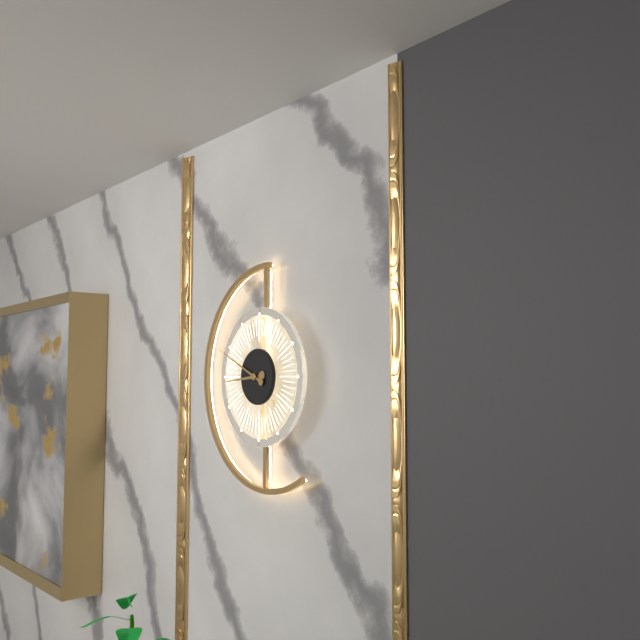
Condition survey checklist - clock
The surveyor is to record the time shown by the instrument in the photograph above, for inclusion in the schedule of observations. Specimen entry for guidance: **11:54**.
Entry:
**8:49**
